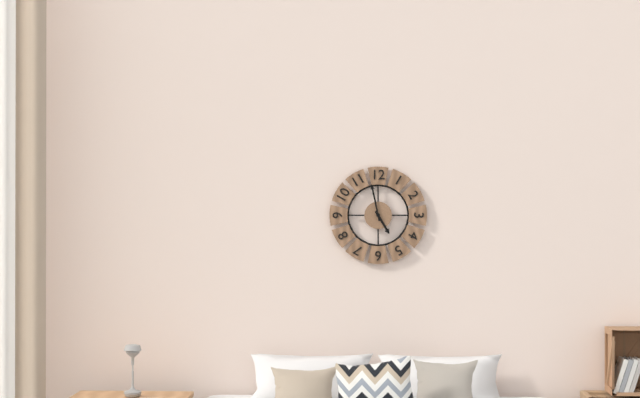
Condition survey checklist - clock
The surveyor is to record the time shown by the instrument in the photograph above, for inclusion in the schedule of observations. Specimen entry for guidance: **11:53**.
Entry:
**4:58**
